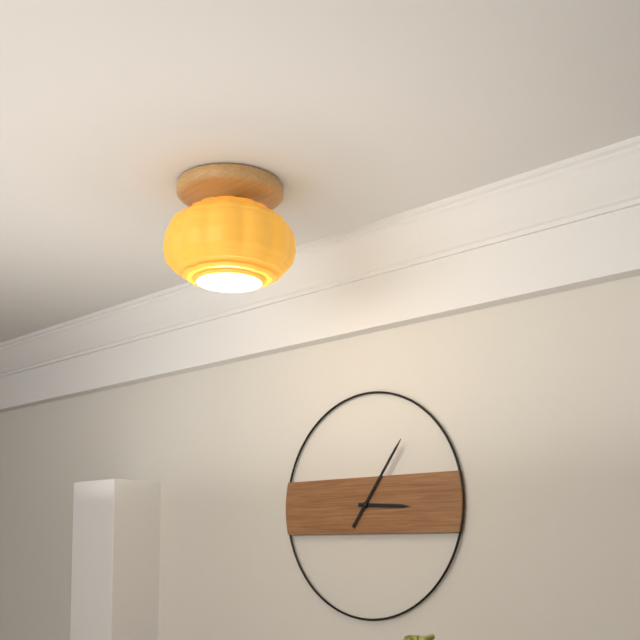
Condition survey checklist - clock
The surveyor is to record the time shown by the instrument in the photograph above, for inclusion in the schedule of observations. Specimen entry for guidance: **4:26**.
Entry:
**3:06**
